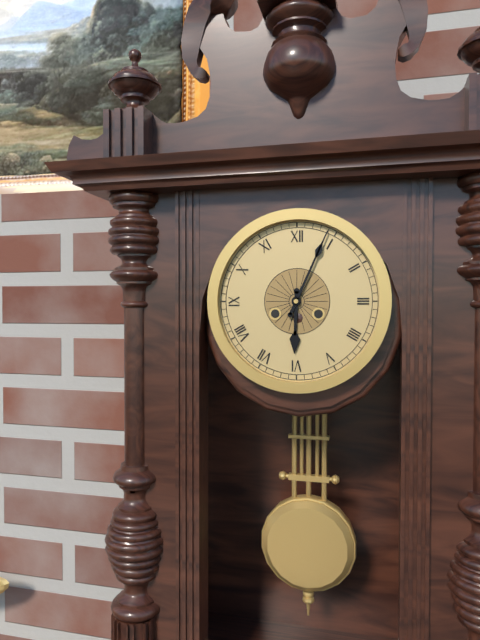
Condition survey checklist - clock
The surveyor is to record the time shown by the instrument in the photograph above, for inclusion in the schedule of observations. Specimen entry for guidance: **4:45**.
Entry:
**6:04**
